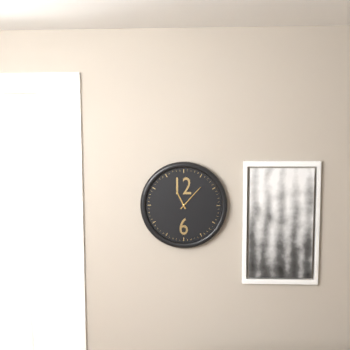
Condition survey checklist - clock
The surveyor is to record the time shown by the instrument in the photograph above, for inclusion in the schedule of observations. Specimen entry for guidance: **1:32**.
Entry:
**11:07**
